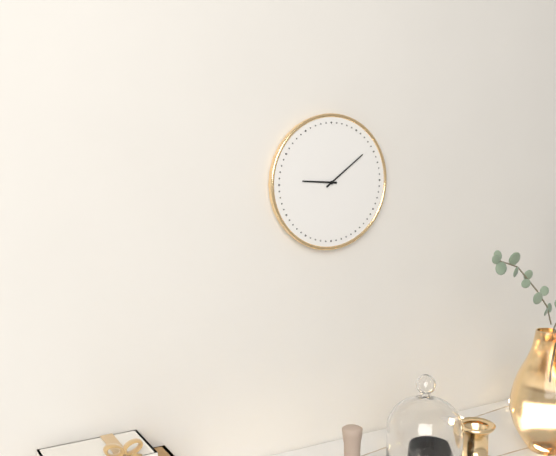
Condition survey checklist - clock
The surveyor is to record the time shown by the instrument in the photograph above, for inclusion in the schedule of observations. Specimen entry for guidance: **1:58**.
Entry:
**9:09**
